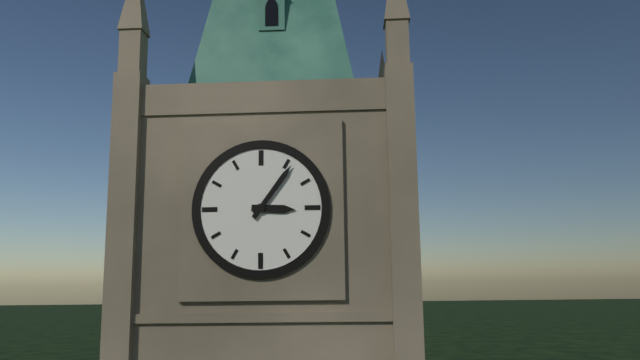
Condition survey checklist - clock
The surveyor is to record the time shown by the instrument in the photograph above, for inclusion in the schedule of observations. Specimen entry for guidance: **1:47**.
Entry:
**3:06**
